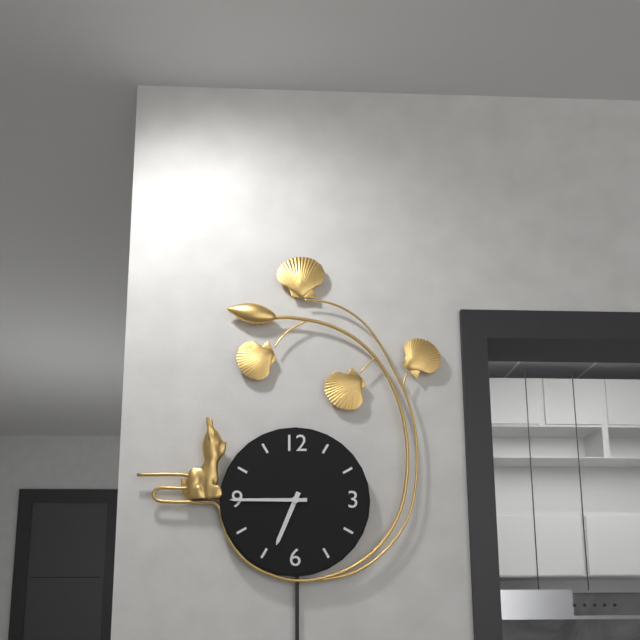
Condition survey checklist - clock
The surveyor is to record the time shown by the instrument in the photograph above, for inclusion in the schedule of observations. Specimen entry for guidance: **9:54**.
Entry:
**6:45**
